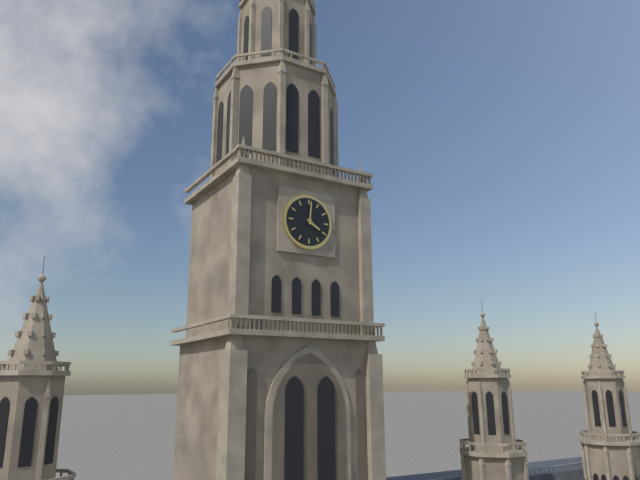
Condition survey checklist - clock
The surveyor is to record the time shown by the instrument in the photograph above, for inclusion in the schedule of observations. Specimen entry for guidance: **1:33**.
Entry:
**4:01**
